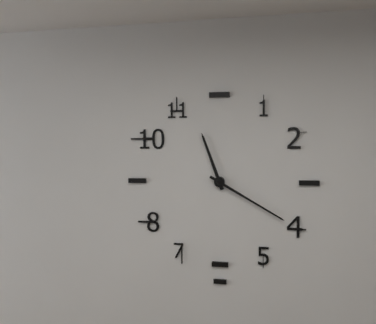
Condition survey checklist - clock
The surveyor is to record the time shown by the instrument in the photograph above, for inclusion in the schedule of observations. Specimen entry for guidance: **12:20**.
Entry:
**11:20**
